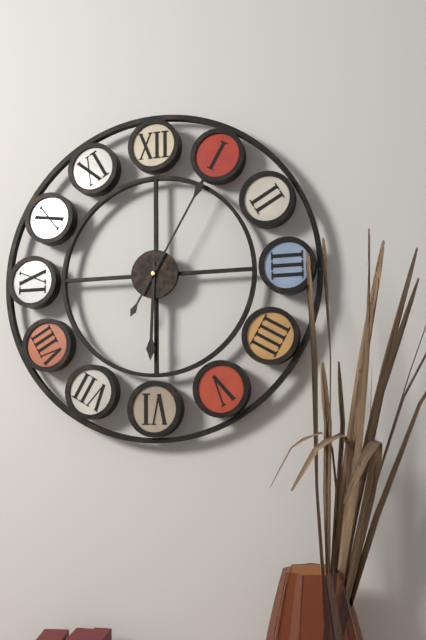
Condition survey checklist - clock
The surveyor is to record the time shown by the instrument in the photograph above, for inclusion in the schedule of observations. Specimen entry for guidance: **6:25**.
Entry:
**6:05**
